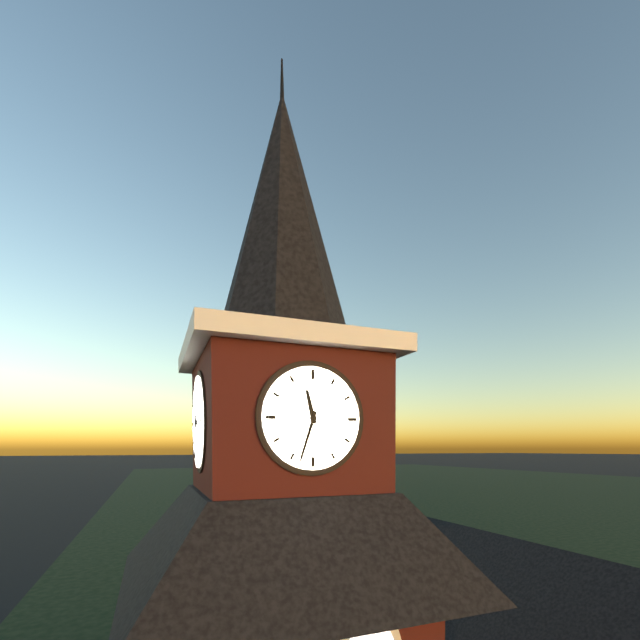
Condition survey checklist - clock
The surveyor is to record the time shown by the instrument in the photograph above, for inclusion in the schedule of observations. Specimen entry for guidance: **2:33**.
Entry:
**11:33**
